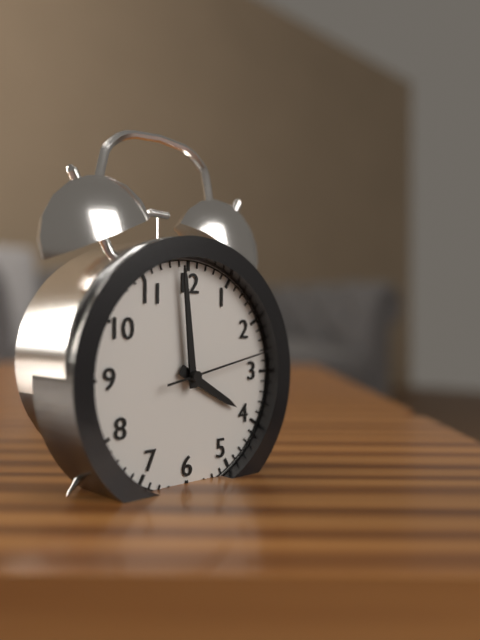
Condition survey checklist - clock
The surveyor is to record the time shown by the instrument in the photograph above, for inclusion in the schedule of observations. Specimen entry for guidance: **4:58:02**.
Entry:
**3:59:13**
